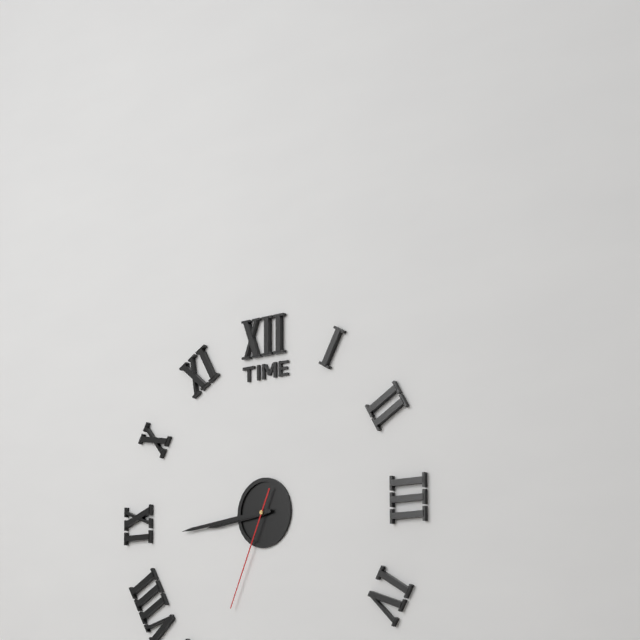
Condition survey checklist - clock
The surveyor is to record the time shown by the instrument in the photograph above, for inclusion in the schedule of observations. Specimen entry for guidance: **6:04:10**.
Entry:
**8:44:34**
